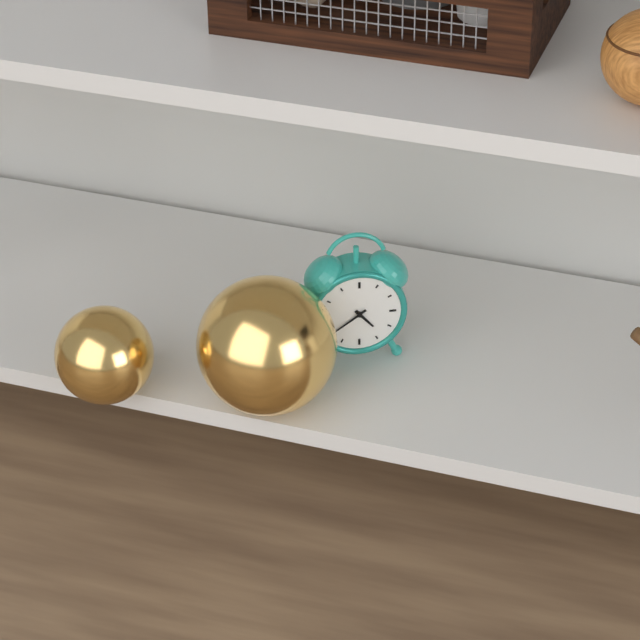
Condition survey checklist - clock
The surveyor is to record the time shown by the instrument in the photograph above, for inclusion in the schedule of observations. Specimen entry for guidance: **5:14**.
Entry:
**4:39**
